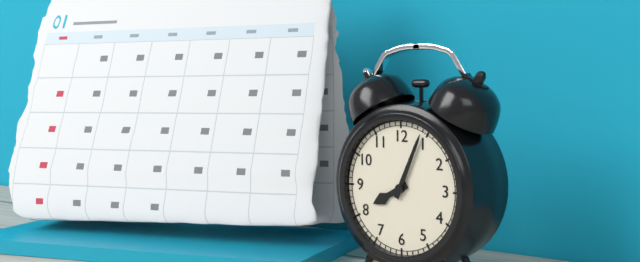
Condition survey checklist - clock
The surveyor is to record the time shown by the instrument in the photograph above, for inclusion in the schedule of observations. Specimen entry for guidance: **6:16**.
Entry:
**8:04**
